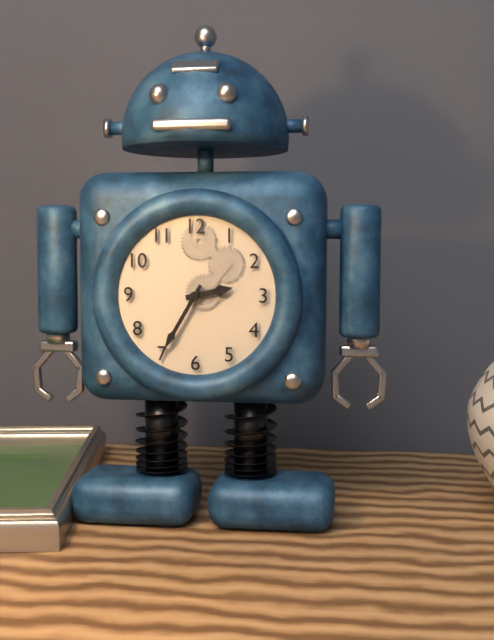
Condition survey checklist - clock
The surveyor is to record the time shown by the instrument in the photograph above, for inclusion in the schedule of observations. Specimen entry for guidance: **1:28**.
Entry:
**2:35**
